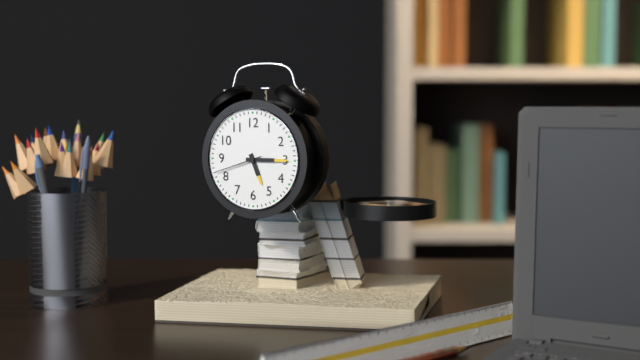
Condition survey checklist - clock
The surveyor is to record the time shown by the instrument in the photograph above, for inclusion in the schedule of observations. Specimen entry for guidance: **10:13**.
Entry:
**5:15**
